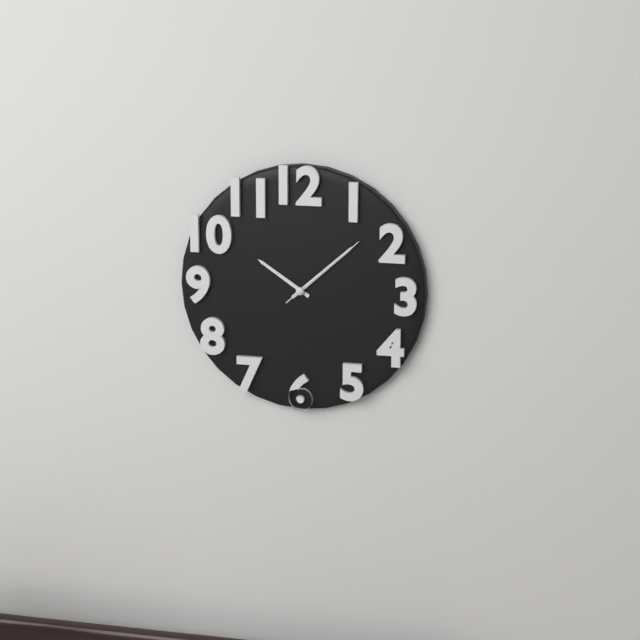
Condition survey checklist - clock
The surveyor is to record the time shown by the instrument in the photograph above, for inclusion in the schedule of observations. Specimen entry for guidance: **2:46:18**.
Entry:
**10:08:08**
